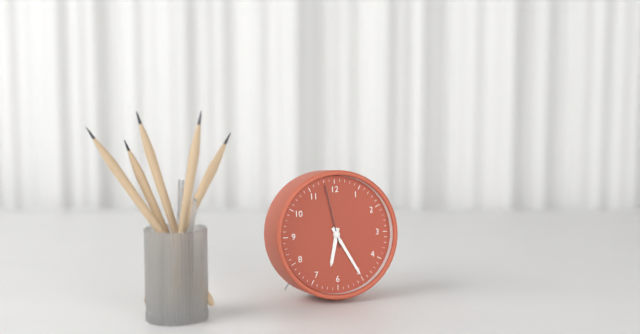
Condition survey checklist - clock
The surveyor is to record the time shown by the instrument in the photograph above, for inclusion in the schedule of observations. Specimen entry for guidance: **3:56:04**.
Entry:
**6:25:58**
